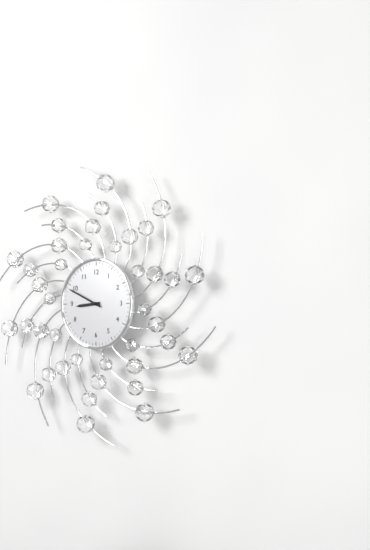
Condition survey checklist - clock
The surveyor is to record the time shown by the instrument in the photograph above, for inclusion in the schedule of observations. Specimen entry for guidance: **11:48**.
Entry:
**8:49**
